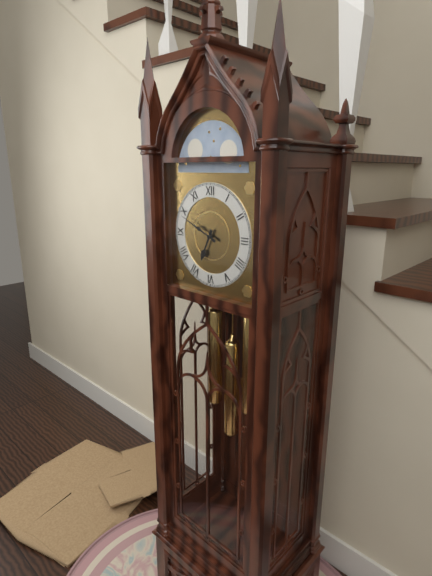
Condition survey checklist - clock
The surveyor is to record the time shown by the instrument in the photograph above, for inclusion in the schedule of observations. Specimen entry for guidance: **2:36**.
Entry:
**6:49**
